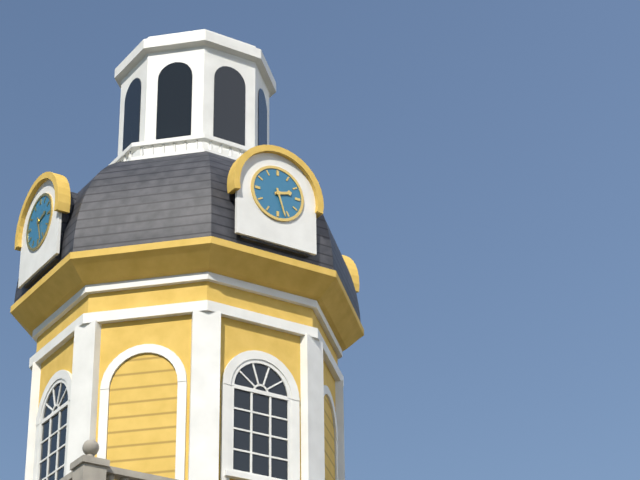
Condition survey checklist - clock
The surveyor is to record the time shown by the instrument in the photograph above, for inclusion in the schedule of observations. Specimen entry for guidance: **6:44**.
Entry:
**2:27**
